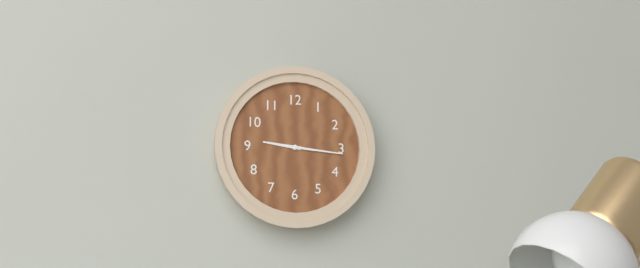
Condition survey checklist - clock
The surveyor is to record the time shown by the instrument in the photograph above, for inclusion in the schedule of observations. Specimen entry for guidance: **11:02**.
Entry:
**9:16**
